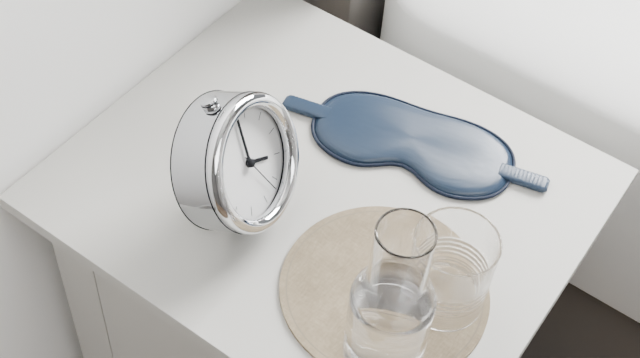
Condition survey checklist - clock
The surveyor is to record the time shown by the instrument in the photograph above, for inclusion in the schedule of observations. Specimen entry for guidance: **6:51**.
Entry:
**4:02**
